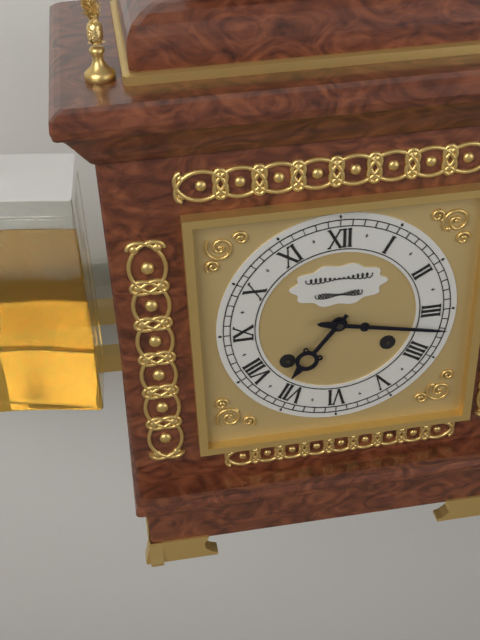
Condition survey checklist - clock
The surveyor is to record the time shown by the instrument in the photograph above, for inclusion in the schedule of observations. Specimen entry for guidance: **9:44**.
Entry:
**7:17**
